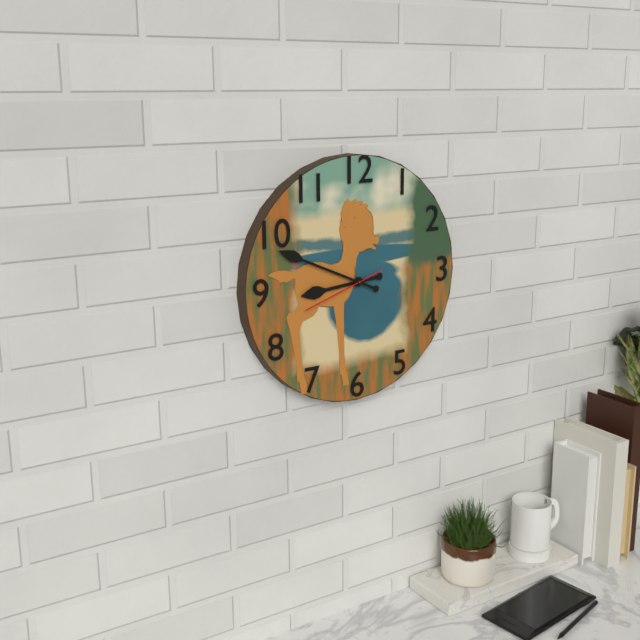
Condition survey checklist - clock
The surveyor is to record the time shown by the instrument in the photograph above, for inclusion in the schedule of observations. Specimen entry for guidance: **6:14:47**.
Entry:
**8:49:42**
